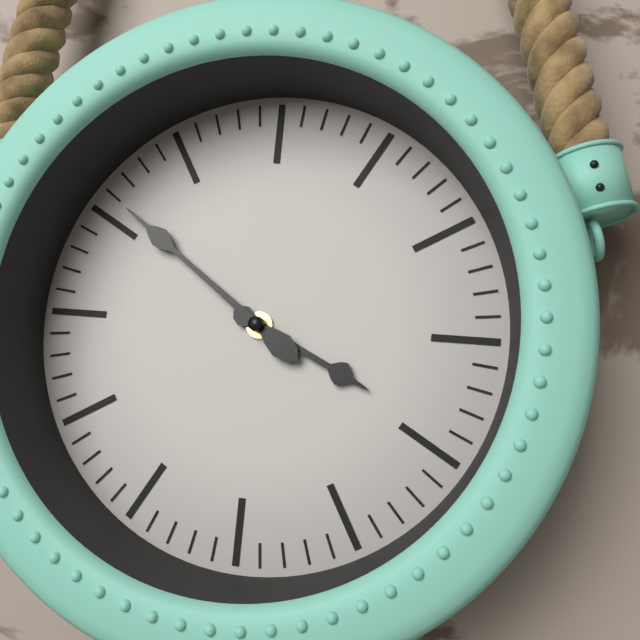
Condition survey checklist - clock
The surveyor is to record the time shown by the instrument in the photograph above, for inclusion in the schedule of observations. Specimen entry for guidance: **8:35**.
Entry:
**3:51**
